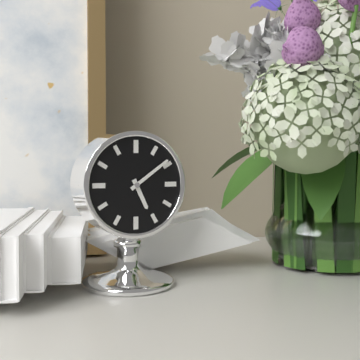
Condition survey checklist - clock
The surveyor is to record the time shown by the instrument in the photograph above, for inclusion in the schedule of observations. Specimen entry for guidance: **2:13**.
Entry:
**5:09**
